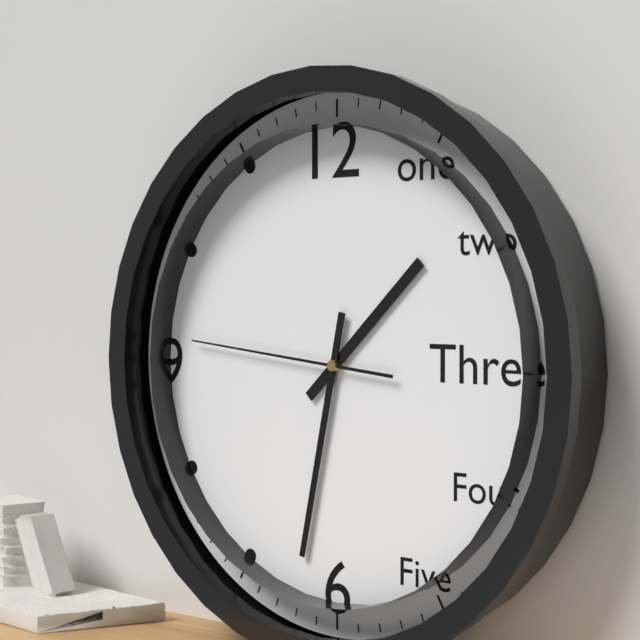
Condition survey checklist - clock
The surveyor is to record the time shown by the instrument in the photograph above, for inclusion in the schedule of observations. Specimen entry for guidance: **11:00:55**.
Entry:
**1:32:46**
